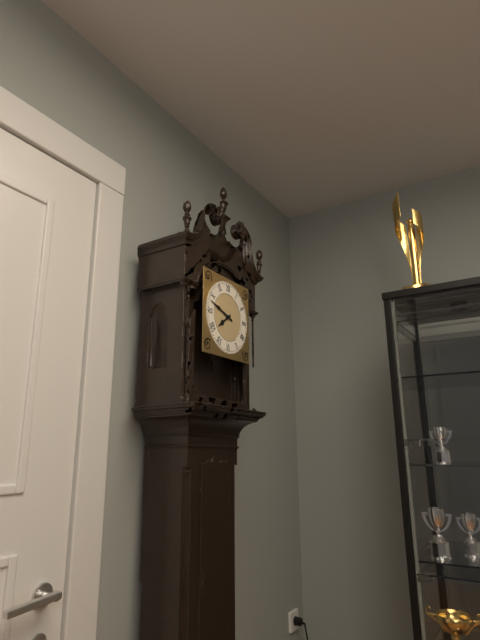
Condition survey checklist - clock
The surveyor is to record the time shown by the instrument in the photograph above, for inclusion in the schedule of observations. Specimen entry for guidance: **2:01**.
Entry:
**7:48**
